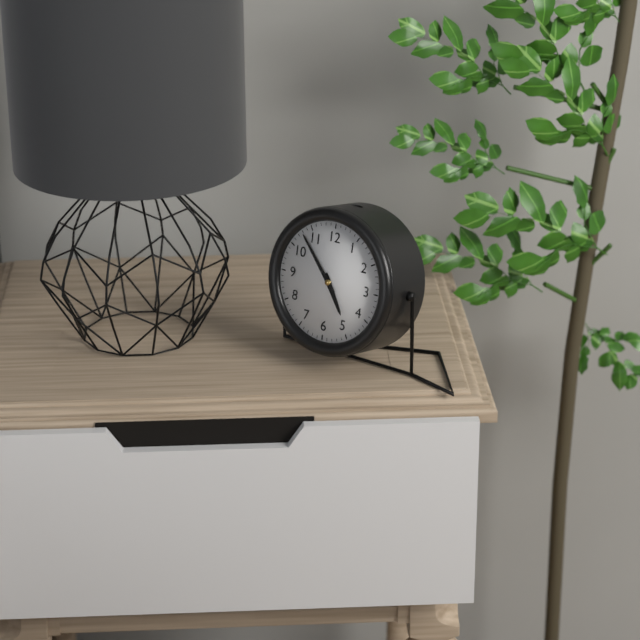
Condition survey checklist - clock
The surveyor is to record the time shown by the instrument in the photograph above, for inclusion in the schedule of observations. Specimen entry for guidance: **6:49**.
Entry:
**4:53**
